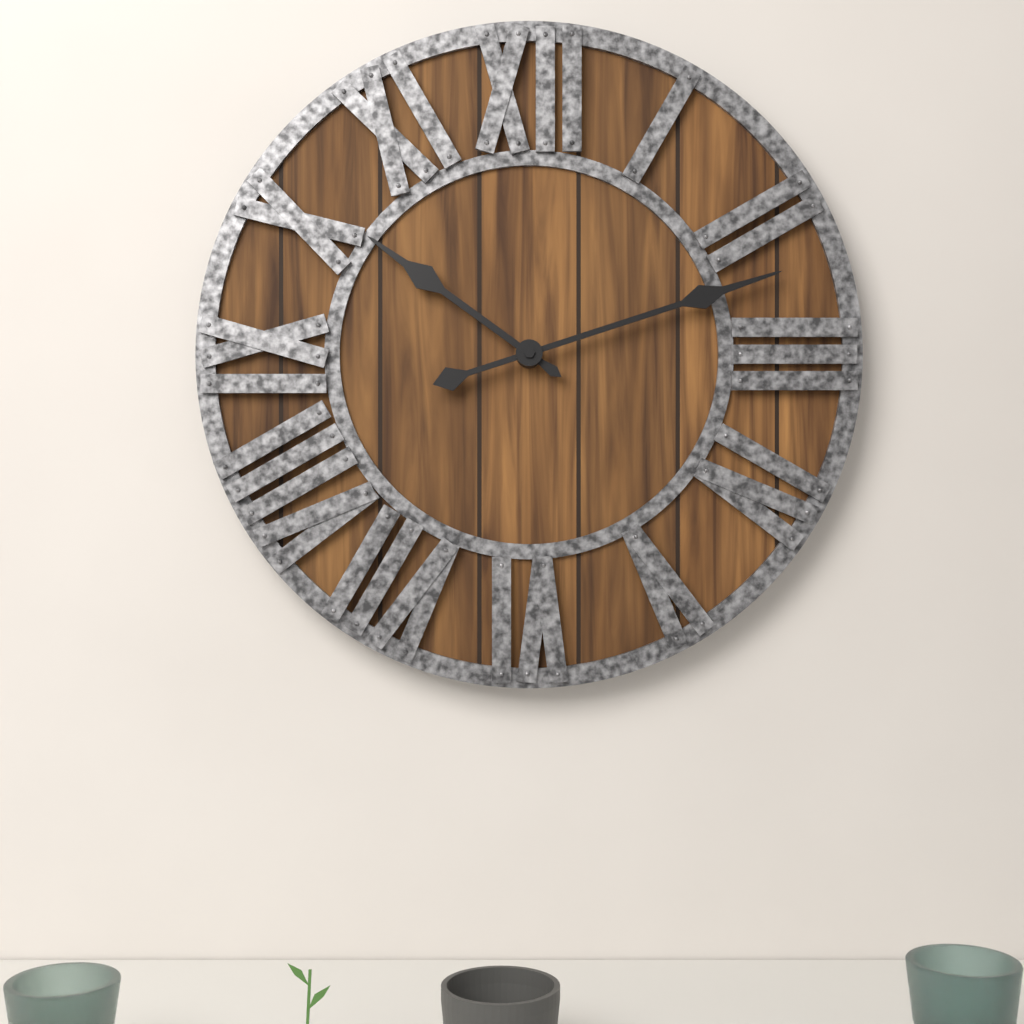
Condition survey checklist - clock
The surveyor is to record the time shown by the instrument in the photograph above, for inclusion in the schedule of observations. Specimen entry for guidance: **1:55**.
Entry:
**10:12**
